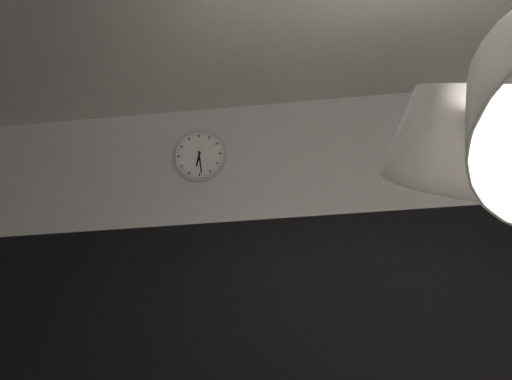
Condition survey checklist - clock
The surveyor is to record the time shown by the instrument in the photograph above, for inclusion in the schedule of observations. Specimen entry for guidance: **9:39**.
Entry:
**6:29**
